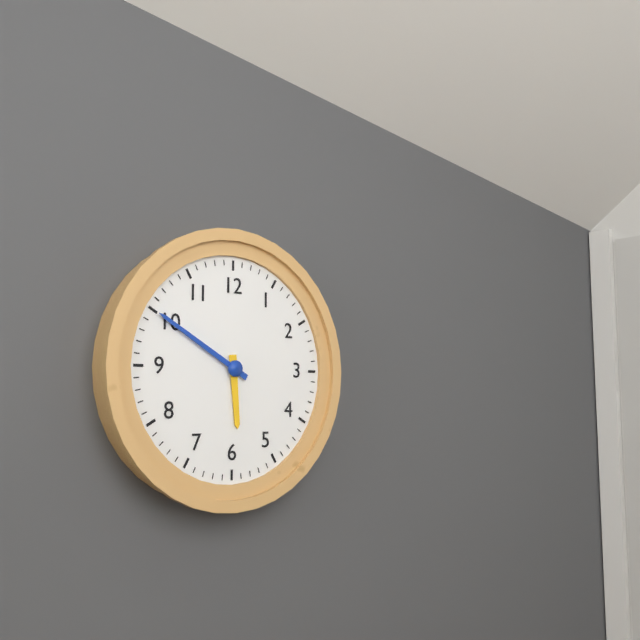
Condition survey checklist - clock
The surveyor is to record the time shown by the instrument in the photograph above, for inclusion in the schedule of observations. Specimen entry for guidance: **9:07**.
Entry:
**5:50**
